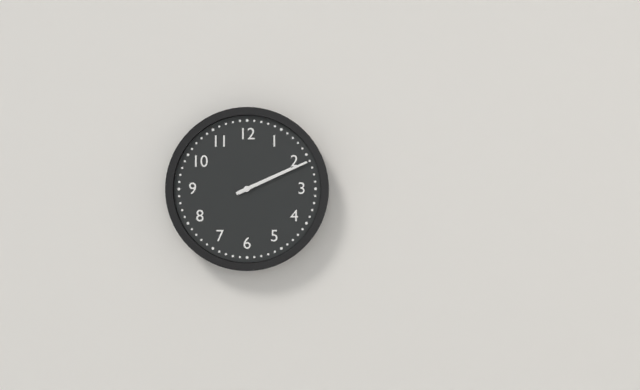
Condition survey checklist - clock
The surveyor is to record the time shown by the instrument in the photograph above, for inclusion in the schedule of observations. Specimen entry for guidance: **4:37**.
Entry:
**2:11**
